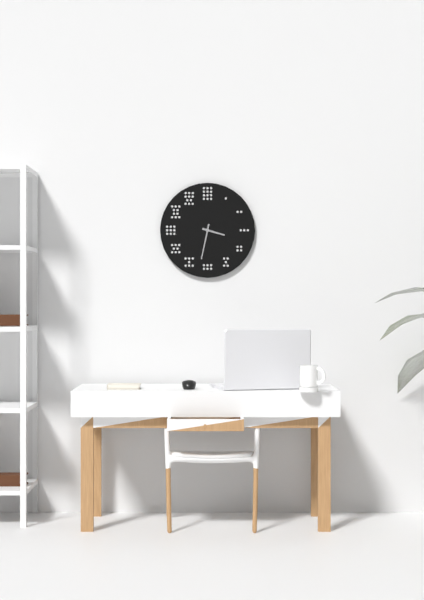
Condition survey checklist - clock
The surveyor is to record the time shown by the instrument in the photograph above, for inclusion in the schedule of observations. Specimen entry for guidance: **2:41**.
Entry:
**3:32**
